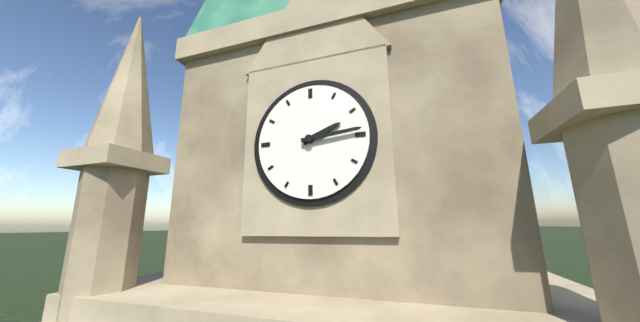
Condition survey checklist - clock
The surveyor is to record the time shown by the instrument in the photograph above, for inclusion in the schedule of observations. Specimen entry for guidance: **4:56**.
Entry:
**2:14**
